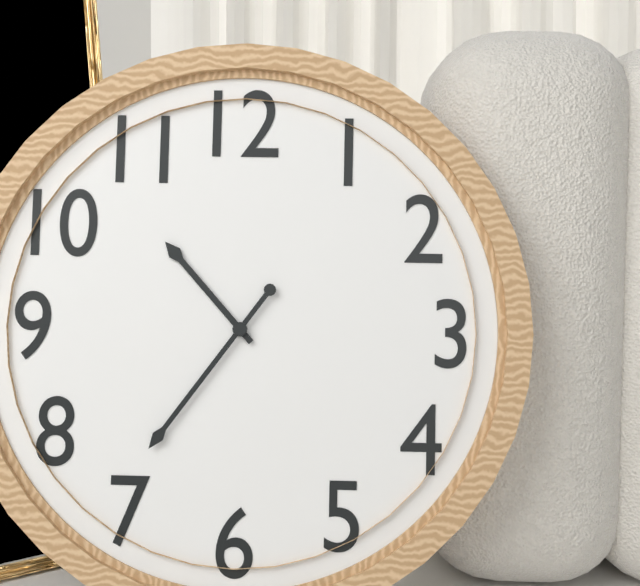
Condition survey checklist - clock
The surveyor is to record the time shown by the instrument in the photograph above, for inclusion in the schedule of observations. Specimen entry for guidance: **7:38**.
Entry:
**10:36**
